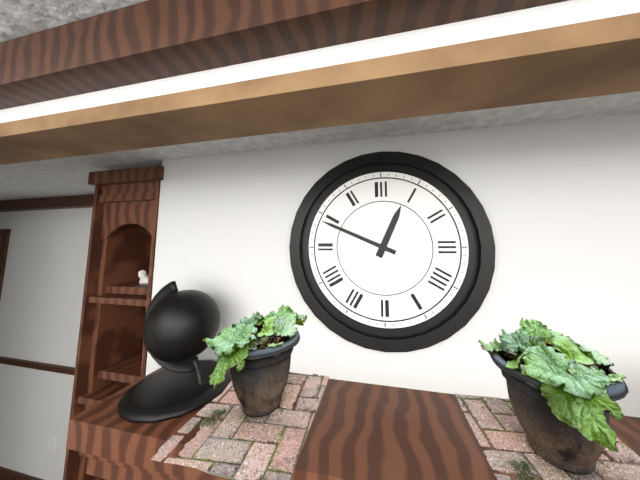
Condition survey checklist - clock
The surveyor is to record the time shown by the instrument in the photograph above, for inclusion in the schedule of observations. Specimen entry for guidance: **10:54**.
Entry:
**12:49**
